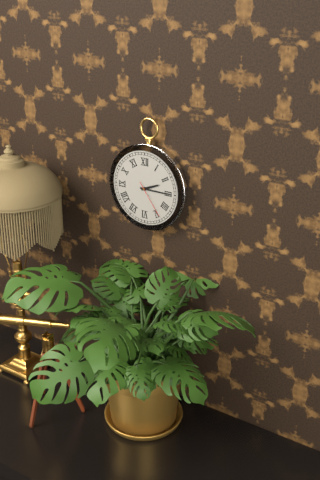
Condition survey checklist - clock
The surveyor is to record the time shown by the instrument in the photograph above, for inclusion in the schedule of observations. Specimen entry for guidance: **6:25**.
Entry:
**2:15**
